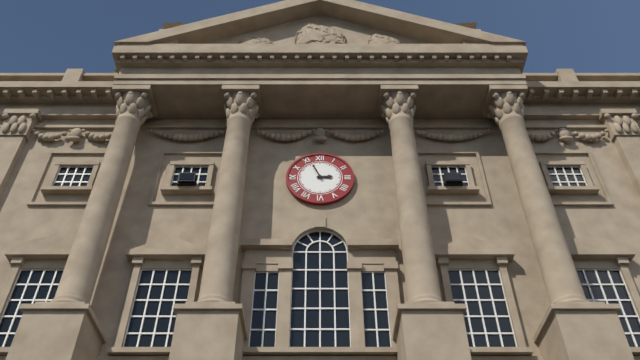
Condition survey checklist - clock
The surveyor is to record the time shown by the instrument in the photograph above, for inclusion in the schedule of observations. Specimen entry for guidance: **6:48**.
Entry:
**2:56**
